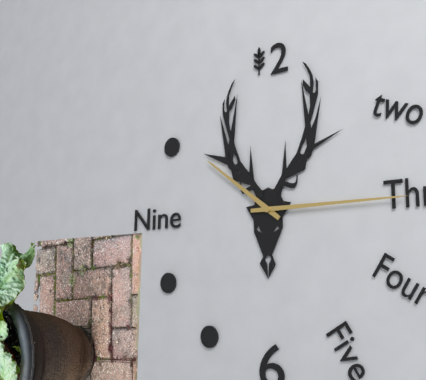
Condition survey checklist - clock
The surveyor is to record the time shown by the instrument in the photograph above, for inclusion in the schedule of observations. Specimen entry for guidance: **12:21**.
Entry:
**10:15**
